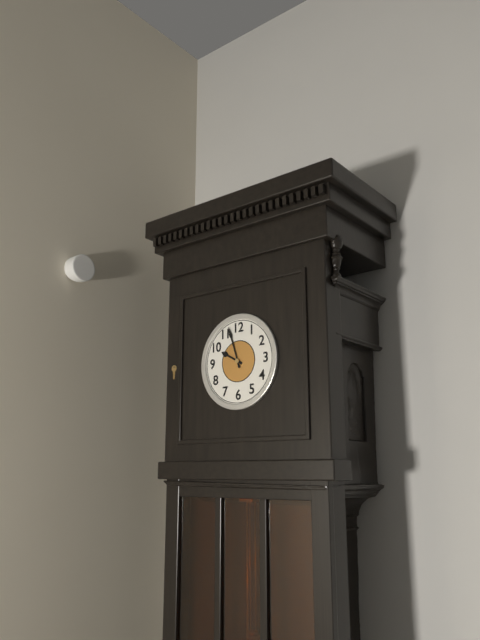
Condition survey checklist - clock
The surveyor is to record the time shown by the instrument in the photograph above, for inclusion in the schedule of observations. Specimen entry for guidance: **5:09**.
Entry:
**9:57**
